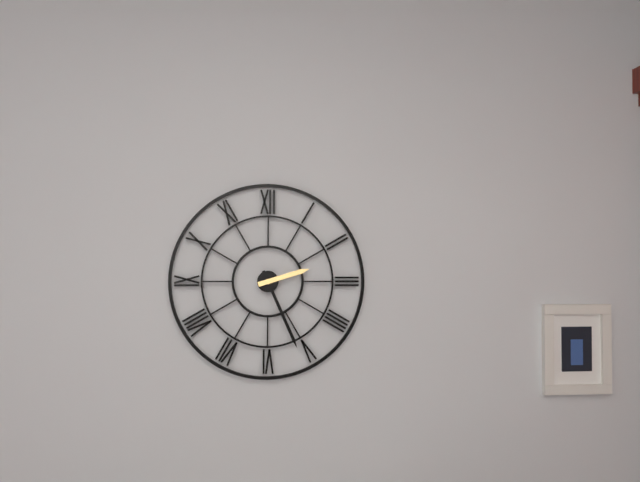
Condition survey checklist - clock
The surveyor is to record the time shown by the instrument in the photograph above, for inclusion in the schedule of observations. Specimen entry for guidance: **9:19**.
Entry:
**2:26**
